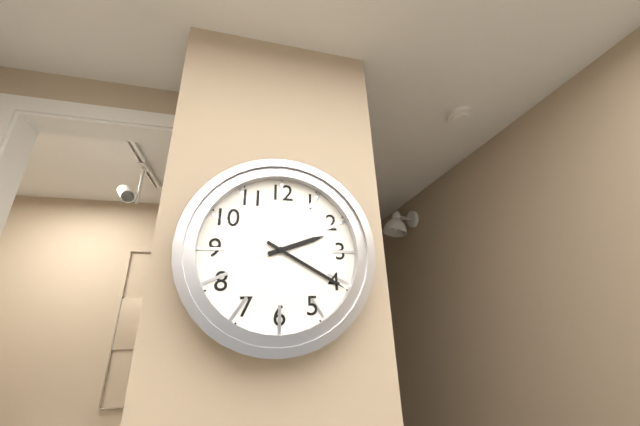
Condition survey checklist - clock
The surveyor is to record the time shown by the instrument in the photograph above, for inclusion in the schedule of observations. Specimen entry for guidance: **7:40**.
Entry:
**2:20**
